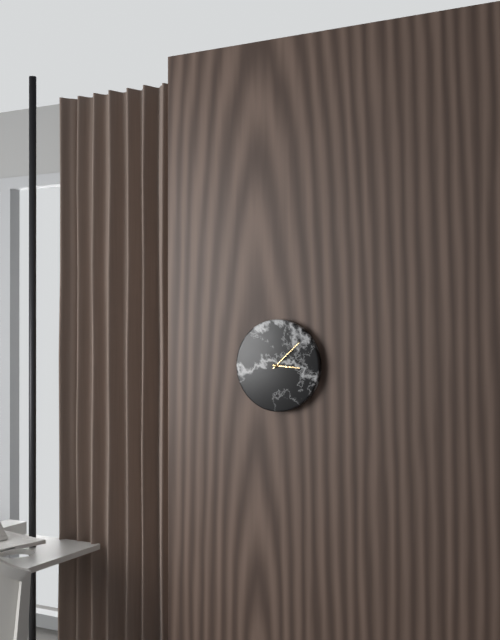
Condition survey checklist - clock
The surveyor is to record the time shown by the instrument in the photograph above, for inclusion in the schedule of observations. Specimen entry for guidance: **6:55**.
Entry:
**3:08**
